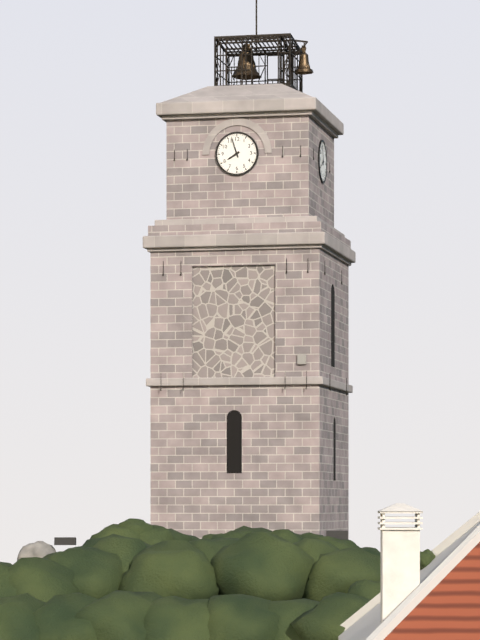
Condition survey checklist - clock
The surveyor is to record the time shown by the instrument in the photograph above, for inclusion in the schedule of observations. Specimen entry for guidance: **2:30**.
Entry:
**7:57**
